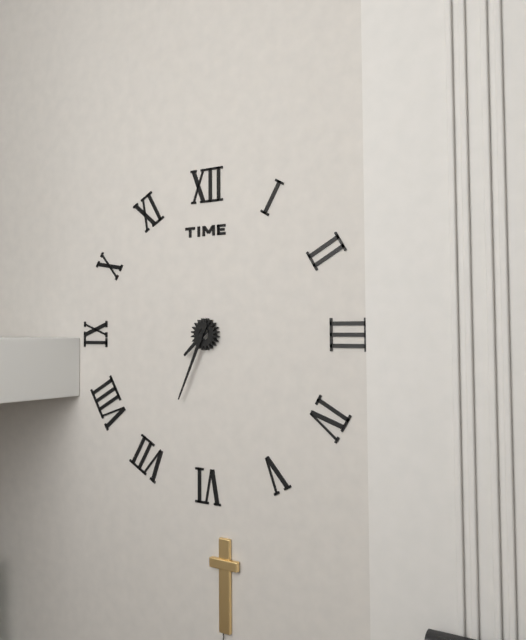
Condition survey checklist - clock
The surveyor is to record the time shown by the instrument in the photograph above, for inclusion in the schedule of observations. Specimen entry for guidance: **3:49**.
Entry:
**7:34**
